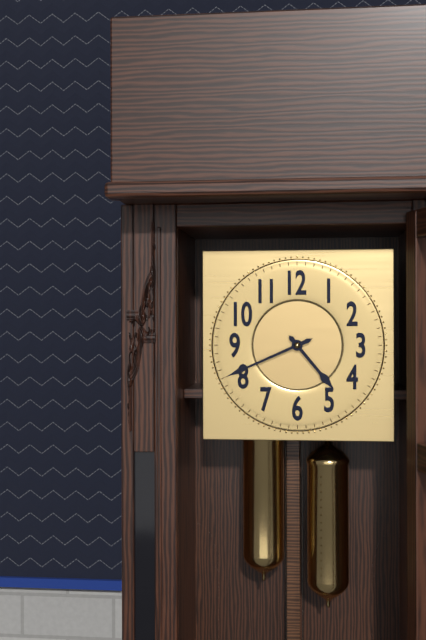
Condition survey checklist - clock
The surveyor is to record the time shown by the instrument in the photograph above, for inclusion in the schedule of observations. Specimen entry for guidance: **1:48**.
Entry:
**4:41**
